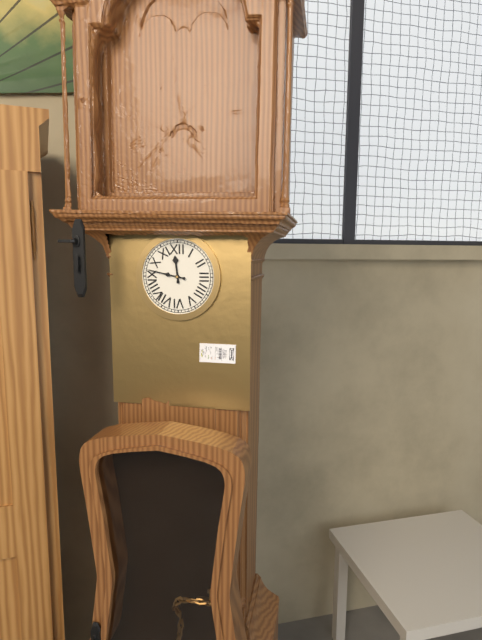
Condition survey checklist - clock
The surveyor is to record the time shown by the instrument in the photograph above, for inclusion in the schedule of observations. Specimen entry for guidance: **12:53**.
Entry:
**11:47**
